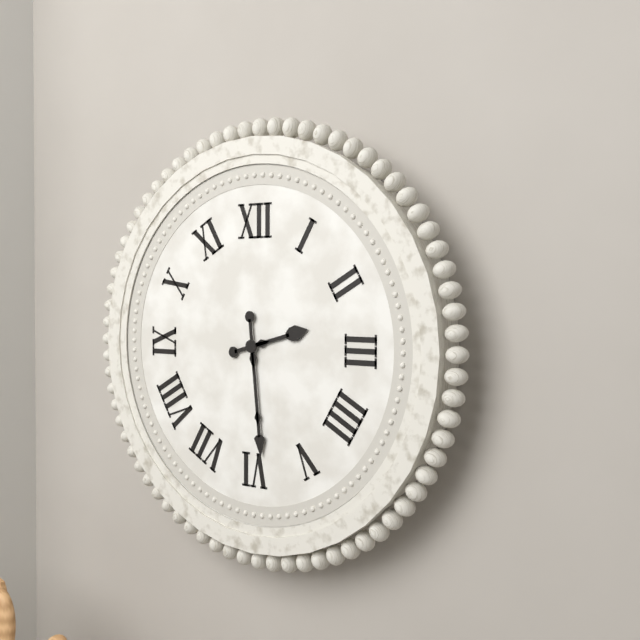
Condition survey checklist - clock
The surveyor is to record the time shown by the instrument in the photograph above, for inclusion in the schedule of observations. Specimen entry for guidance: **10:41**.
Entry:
**2:29**
